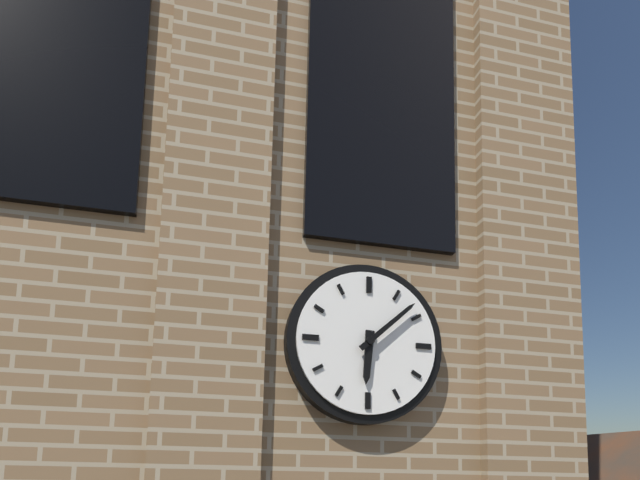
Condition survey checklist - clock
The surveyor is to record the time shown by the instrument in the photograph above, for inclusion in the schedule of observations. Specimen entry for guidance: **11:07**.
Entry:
**6:08**
